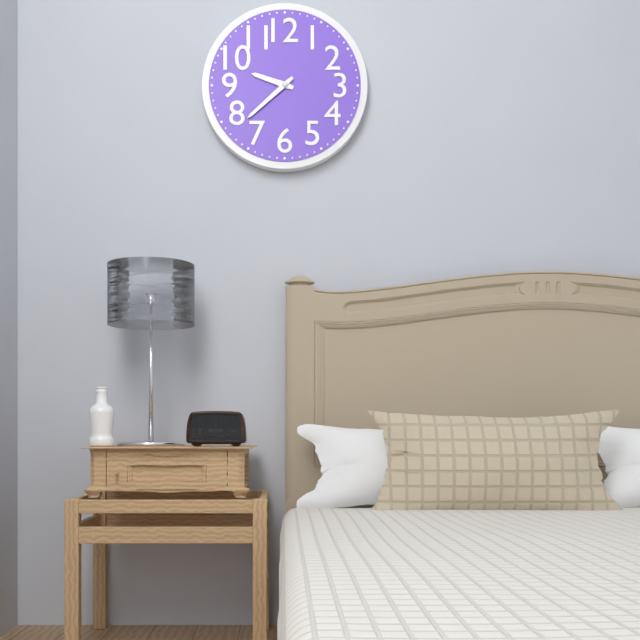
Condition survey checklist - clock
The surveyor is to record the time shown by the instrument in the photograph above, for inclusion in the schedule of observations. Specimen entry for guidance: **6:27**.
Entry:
**9:38**
